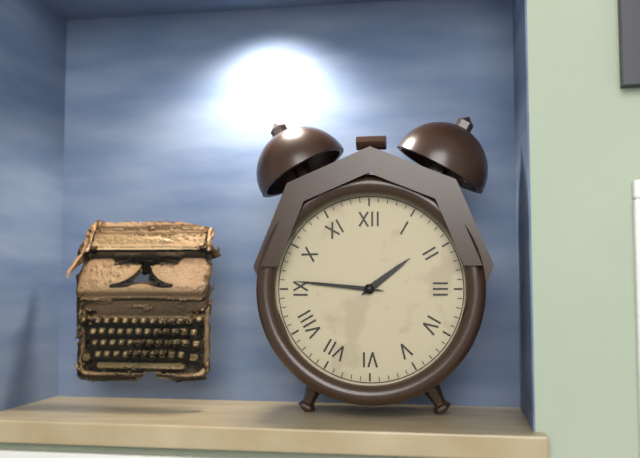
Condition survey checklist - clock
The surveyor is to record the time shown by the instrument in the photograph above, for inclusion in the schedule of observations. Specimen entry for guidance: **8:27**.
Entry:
**1:46**
